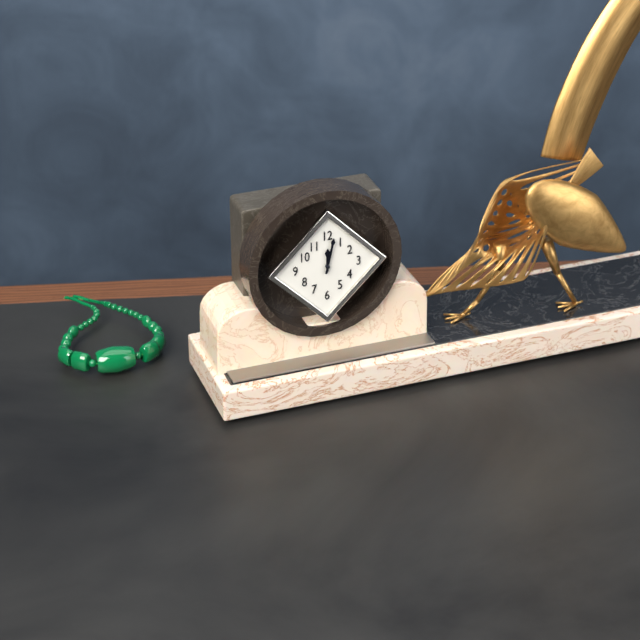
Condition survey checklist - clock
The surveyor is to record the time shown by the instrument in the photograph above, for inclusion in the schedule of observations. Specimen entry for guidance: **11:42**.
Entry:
**12:02**
